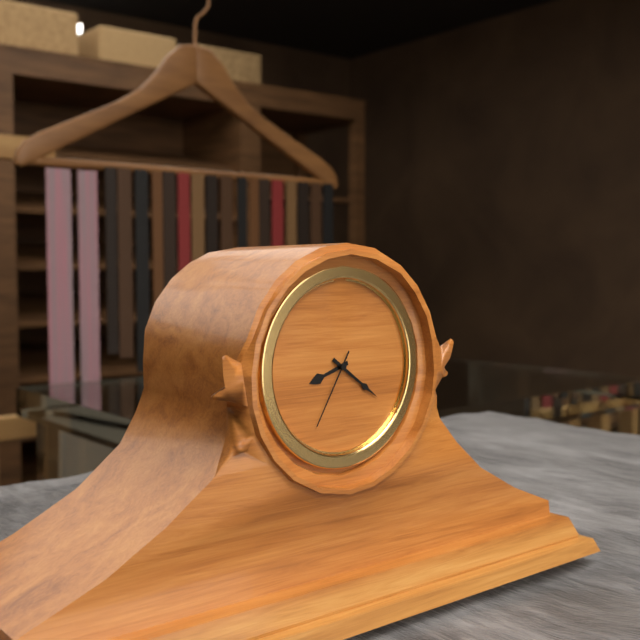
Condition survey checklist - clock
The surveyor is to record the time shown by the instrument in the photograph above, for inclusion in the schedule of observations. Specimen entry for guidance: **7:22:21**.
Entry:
**8:21:35**
